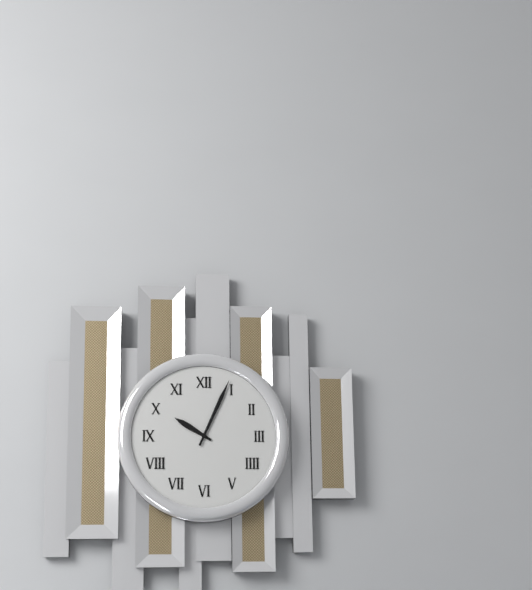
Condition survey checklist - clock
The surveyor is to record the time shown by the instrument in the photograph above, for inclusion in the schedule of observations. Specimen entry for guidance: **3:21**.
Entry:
**10:04**
